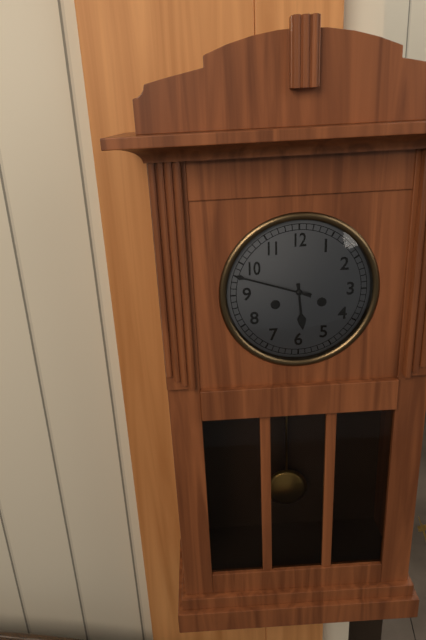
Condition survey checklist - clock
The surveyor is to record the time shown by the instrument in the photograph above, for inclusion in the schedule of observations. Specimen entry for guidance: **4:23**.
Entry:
**5:48**
